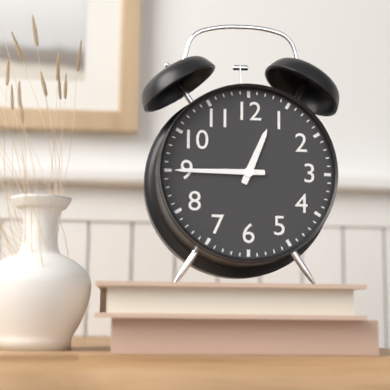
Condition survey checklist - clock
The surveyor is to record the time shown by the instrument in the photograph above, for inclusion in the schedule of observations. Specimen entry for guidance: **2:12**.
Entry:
**12:45**
